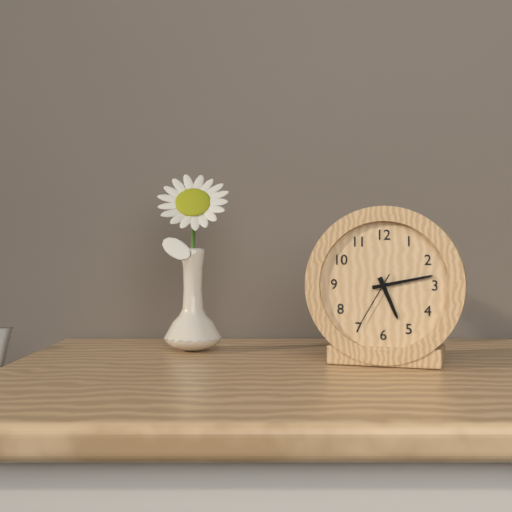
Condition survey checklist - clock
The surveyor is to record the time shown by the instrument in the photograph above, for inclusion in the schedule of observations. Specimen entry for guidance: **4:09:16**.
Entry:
**5:13:35**
